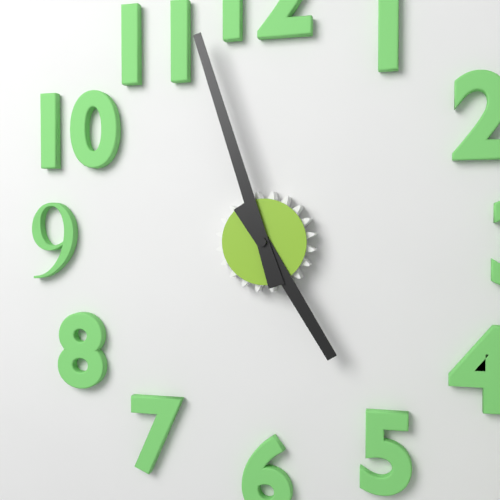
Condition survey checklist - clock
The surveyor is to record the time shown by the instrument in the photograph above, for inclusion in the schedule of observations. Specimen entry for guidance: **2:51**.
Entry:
**4:57**
